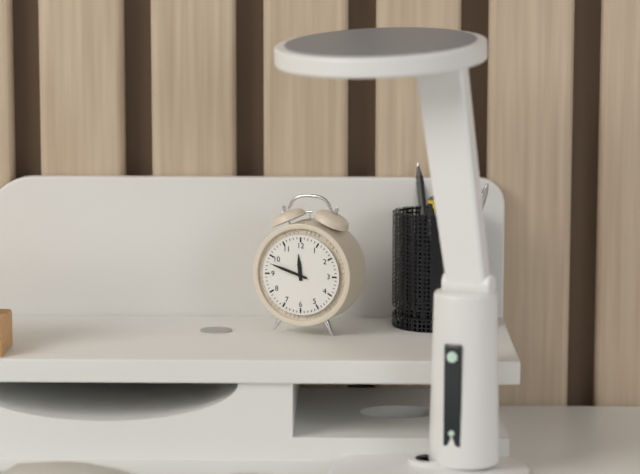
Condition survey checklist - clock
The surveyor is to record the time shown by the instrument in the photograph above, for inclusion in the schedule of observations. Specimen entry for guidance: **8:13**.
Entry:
**11:48**
